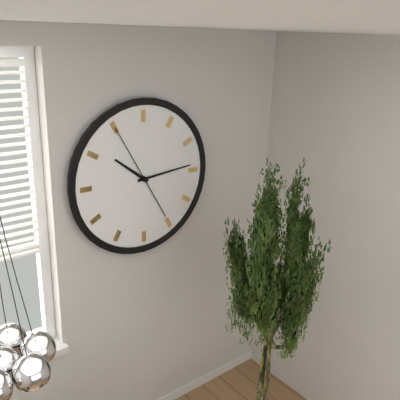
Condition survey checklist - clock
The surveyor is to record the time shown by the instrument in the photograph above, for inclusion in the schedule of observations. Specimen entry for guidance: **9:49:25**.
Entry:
**10:14:55**
